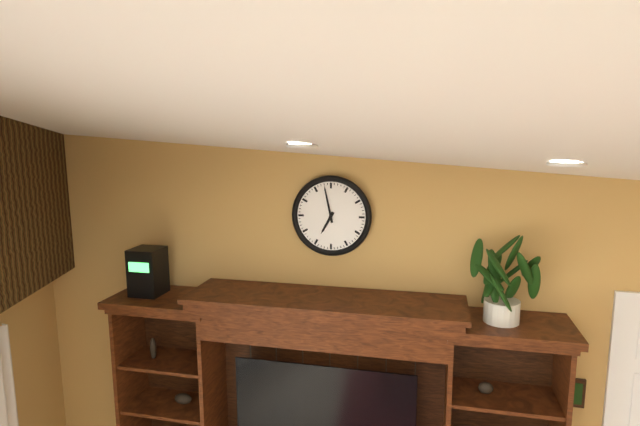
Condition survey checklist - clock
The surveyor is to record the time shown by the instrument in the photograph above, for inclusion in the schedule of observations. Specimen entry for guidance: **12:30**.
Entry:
**6:58**
